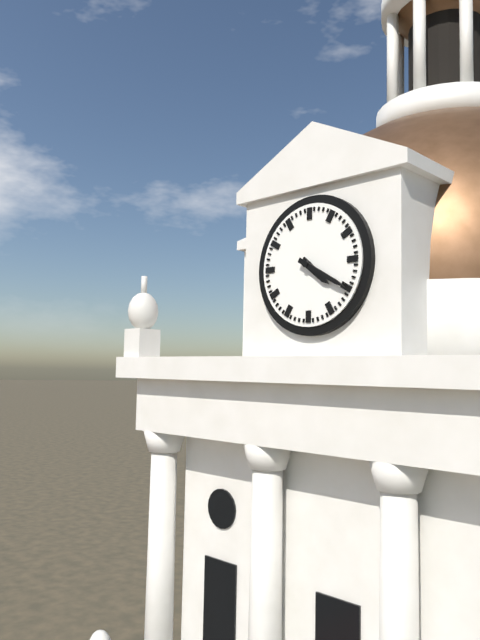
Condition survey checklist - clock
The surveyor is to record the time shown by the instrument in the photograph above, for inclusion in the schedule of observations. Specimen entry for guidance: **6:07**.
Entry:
**4:20**
